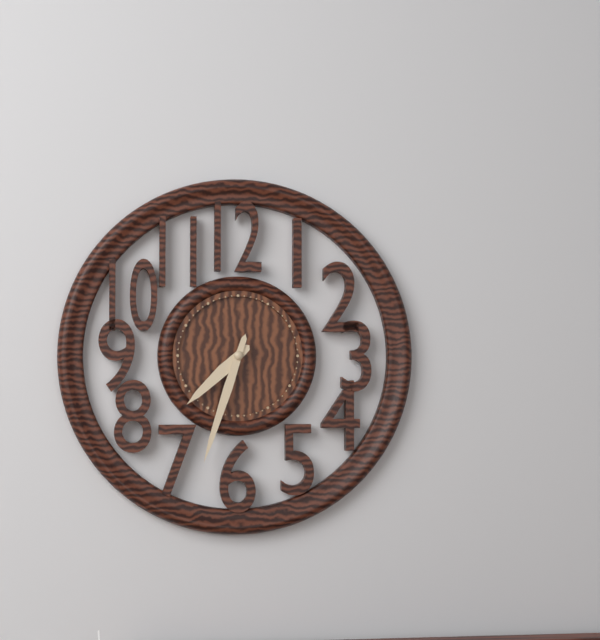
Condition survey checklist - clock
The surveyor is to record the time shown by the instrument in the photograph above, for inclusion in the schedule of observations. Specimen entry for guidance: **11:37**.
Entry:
**7:33**
